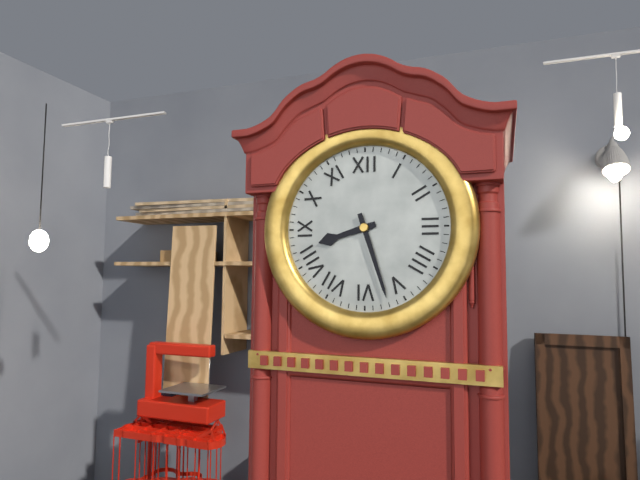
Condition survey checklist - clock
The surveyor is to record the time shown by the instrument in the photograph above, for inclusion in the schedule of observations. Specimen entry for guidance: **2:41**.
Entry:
**8:27**
